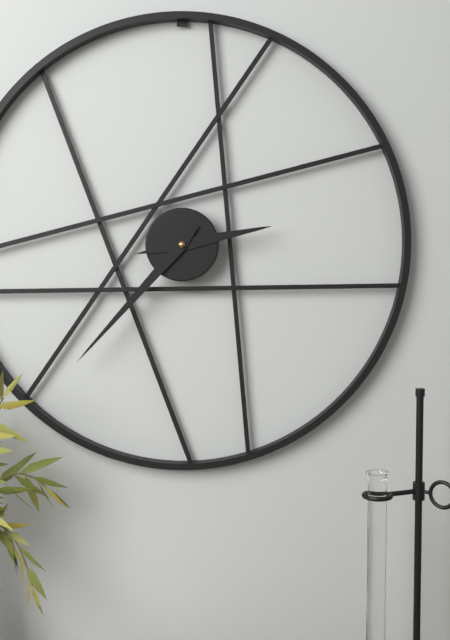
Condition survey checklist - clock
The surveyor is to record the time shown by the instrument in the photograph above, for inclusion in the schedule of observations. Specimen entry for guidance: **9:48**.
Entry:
**2:37**
